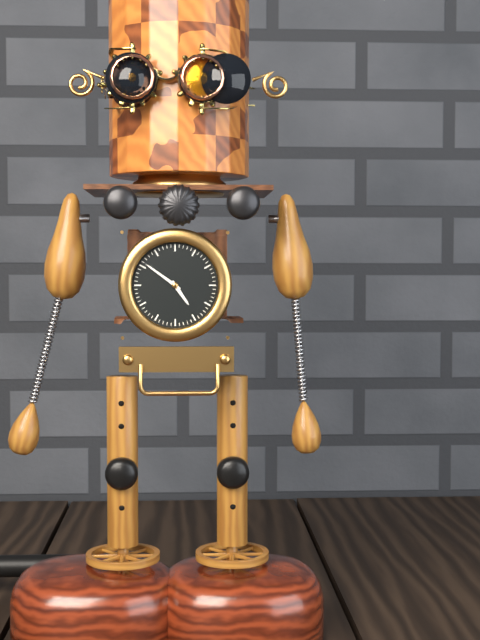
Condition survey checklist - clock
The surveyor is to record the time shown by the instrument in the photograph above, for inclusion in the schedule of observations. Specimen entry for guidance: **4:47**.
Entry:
**4:51**
